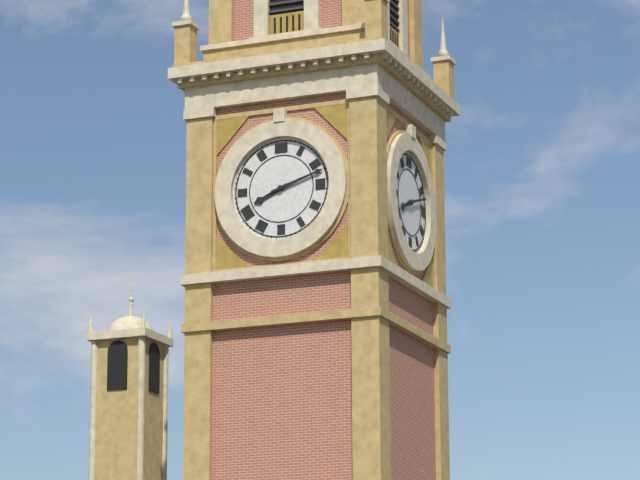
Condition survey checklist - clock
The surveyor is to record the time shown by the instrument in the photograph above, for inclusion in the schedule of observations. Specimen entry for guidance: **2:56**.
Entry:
**8:12**
